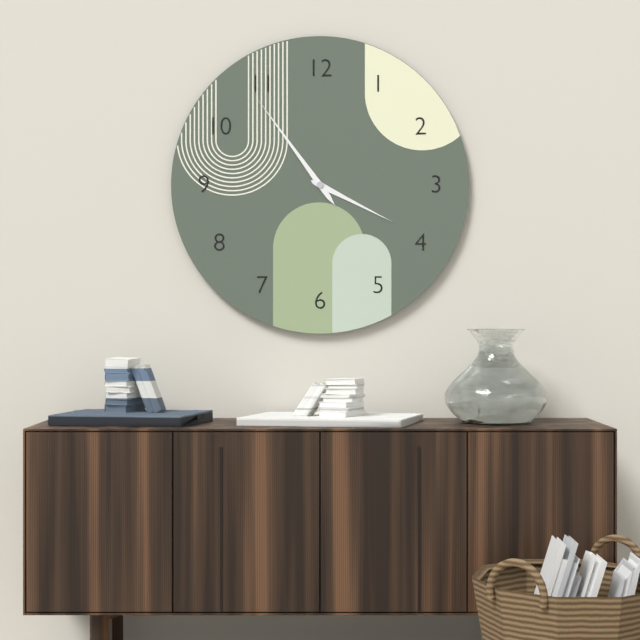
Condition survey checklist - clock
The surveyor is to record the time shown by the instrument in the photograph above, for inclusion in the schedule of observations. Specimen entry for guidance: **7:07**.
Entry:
**3:54**
